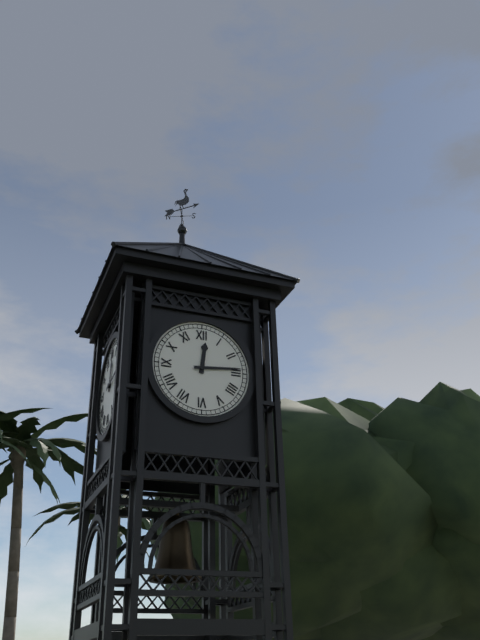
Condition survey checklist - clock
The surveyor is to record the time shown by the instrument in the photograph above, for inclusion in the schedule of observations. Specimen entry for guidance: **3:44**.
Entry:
**12:14**
